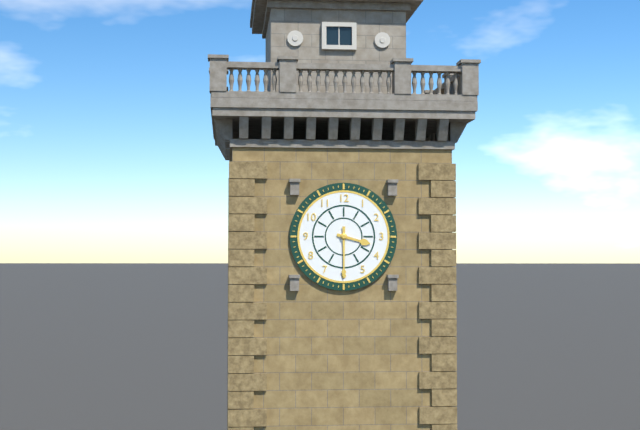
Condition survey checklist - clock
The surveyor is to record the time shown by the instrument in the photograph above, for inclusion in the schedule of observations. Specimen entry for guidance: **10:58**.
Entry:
**3:30**
